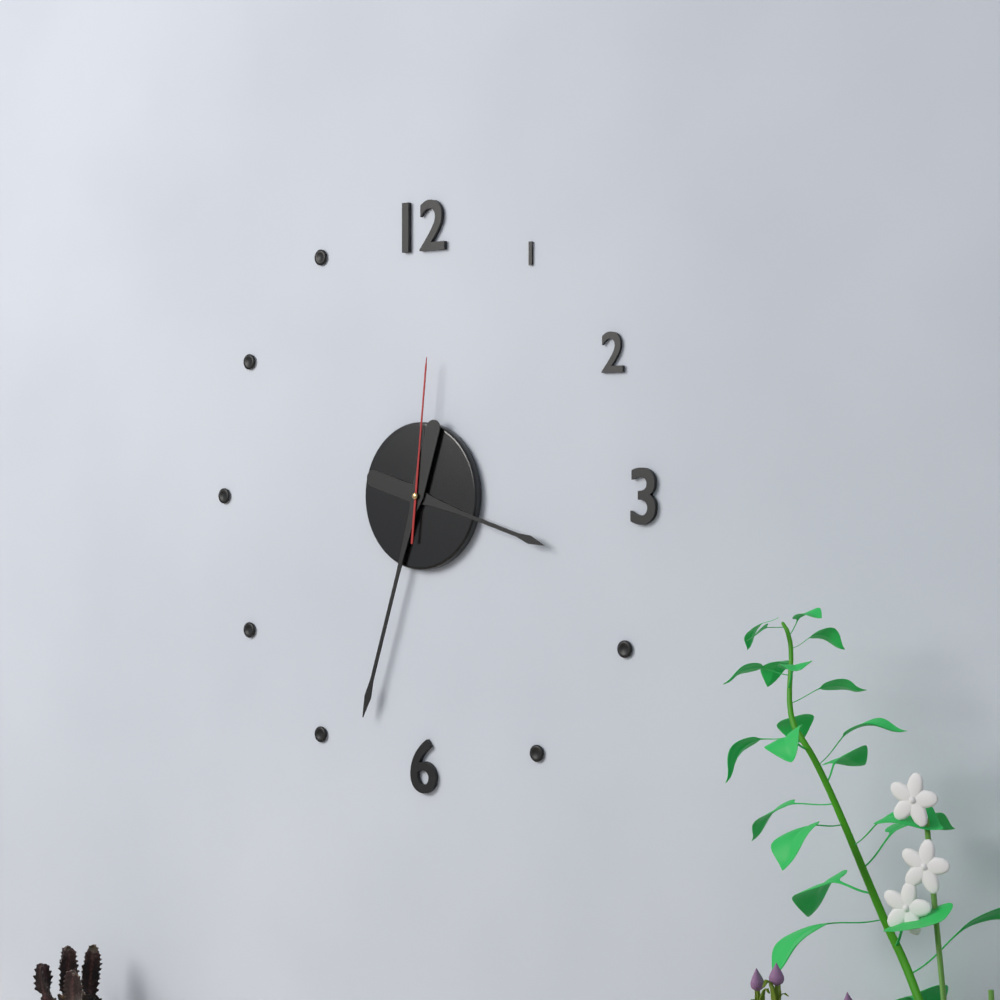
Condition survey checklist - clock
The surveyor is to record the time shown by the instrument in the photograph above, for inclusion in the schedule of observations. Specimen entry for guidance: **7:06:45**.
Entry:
**3:33:01**
